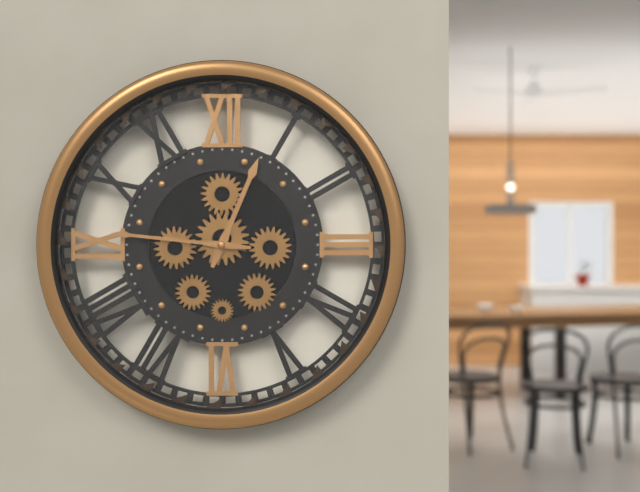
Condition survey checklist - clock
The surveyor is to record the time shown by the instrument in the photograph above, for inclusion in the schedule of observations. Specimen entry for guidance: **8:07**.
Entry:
**12:46**
